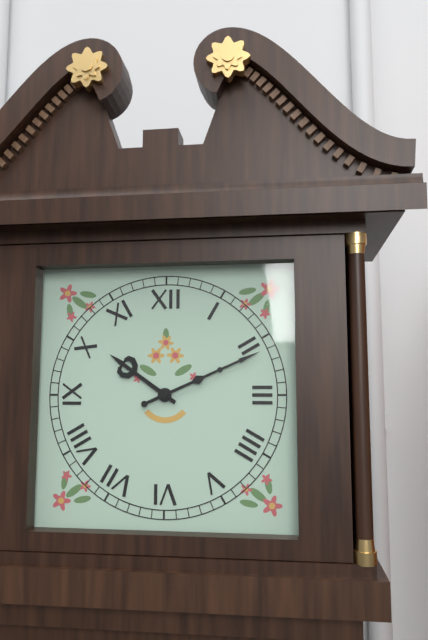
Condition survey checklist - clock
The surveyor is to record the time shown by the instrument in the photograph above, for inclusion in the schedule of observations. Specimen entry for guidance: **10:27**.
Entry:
**10:11**
